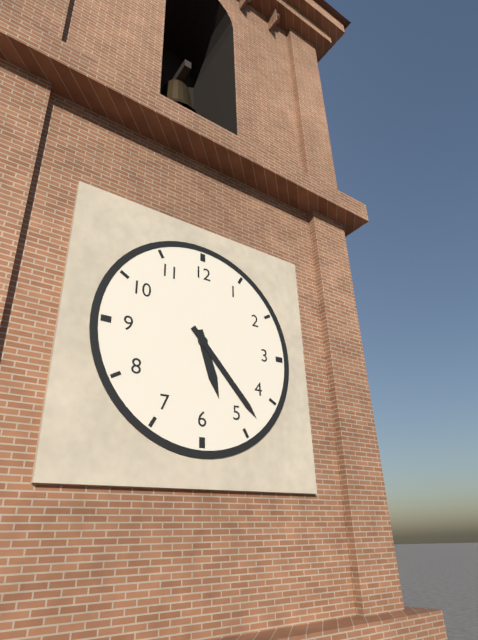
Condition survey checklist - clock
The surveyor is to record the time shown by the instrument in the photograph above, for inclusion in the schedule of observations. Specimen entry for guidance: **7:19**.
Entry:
**5:23**
